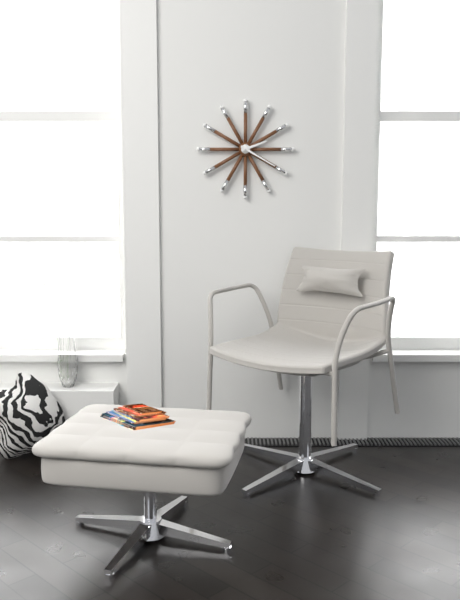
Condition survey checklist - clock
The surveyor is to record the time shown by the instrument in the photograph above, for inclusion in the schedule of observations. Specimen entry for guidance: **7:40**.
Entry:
**2:20**
